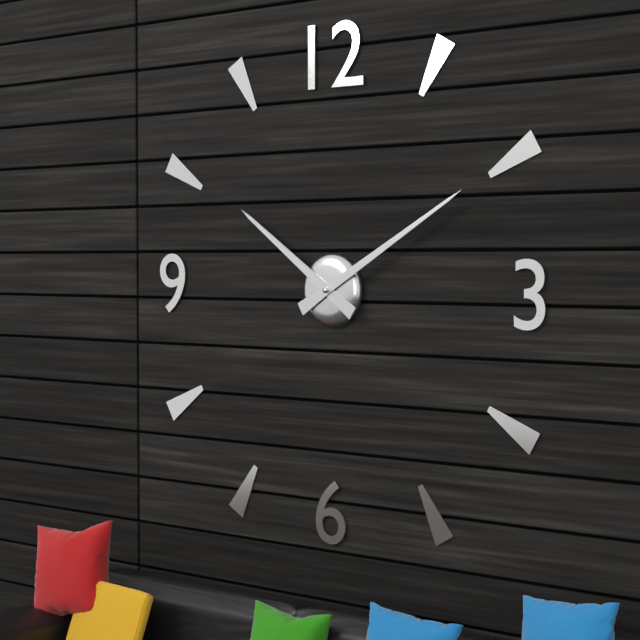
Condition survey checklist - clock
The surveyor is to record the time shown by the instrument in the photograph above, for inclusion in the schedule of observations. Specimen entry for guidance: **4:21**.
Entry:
**10:10**
